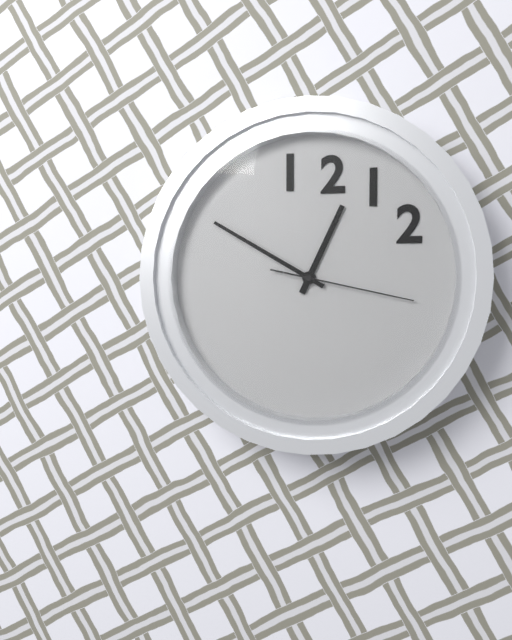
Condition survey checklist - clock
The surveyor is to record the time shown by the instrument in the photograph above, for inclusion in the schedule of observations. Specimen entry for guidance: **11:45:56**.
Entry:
**12:50:17**
